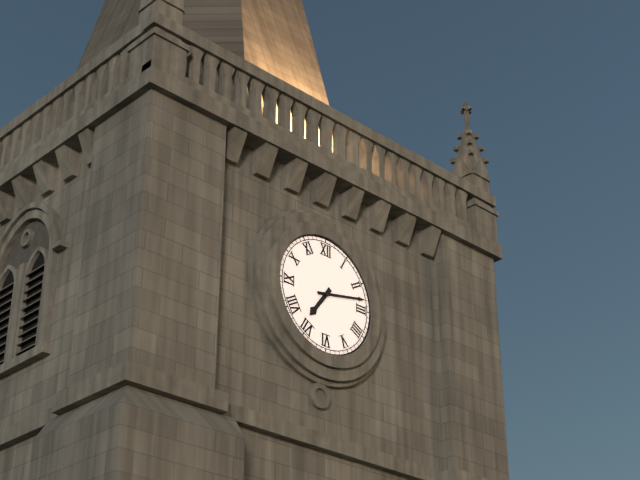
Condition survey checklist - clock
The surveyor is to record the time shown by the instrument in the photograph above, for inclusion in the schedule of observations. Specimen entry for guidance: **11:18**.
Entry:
**7:13**
